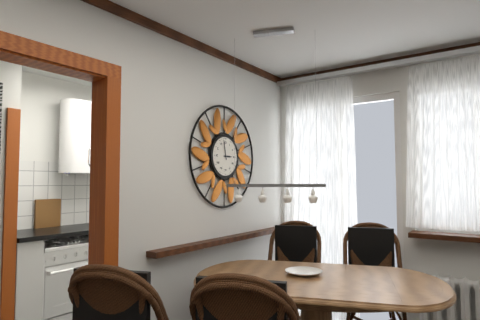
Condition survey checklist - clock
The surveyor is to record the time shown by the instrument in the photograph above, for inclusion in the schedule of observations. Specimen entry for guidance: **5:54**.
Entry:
**2:58**
